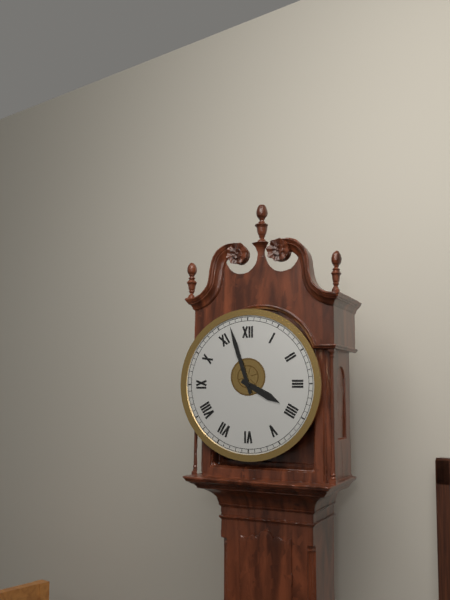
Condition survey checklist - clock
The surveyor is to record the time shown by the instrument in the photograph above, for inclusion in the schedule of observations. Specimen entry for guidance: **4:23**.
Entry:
**3:57**
